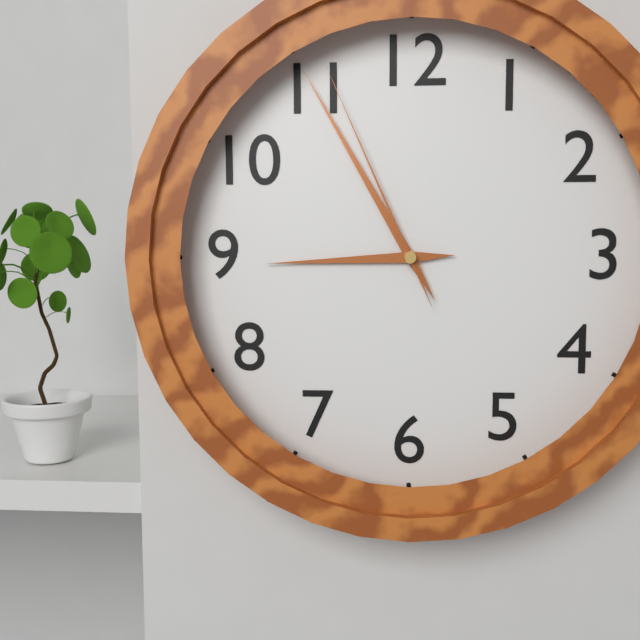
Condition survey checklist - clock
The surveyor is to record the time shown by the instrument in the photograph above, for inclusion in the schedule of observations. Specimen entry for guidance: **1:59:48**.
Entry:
**8:55:56**
